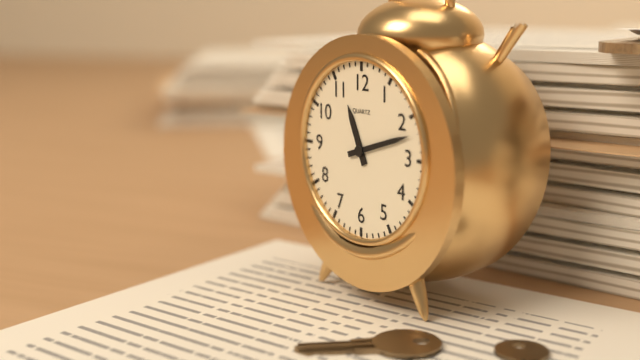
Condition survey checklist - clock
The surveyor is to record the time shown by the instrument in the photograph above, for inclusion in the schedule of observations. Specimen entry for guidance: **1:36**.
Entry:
**11:12**
